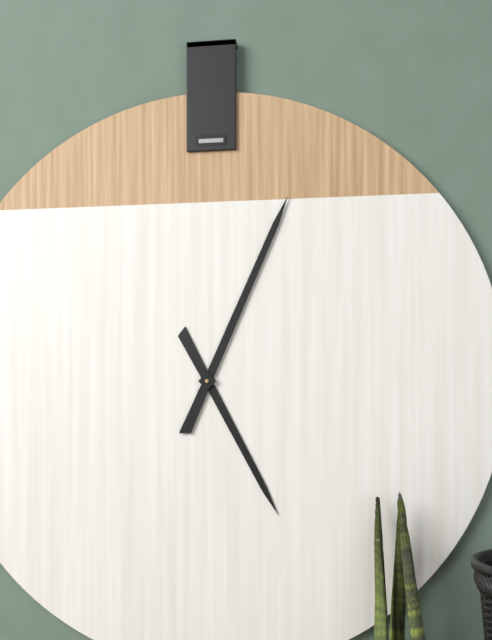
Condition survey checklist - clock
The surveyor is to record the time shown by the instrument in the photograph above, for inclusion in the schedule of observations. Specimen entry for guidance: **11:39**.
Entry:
**5:04**
